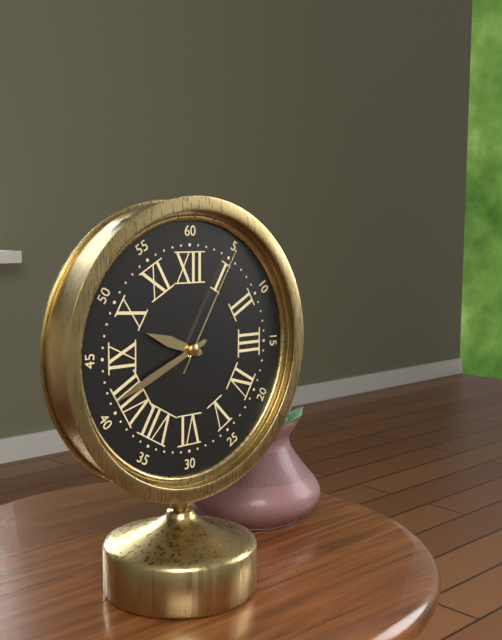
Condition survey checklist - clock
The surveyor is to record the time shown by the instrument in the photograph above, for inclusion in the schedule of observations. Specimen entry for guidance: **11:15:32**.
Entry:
**9:41:05**
